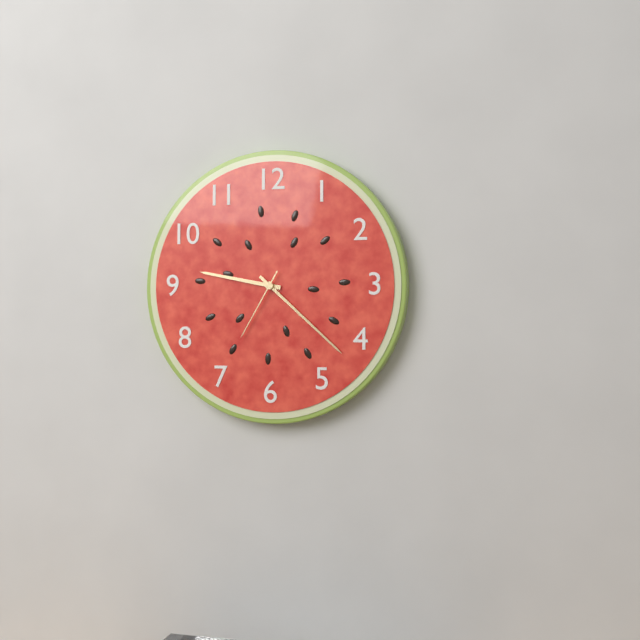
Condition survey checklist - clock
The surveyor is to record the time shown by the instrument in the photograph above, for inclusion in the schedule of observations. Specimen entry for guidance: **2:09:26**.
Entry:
**9:22:35**
